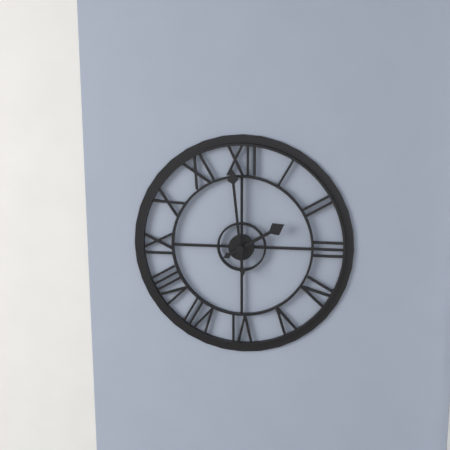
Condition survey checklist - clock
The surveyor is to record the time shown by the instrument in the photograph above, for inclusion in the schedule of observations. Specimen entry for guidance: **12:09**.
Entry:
**1:59**
